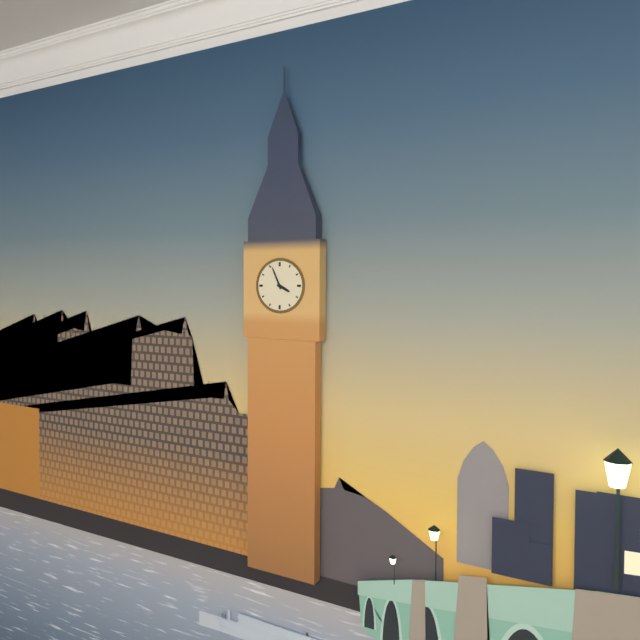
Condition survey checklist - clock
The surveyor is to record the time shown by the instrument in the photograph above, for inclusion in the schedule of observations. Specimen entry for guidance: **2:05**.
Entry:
**3:56**
